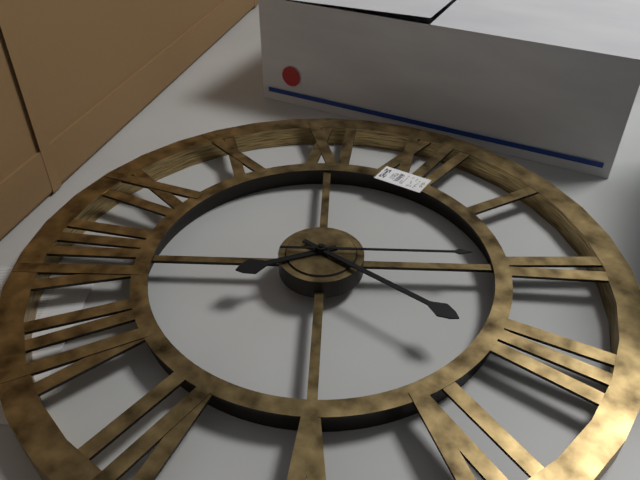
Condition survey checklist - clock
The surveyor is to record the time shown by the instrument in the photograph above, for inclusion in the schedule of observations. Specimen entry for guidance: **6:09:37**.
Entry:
**7:16:10**
